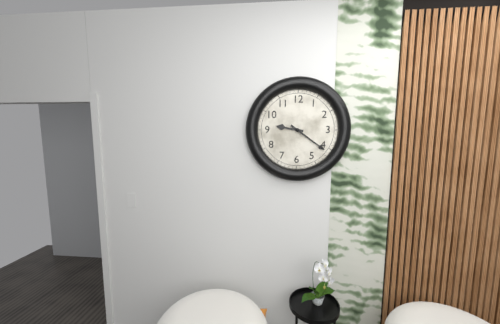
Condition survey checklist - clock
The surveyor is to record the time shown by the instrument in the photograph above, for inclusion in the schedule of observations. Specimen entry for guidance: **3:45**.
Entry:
**9:21**
